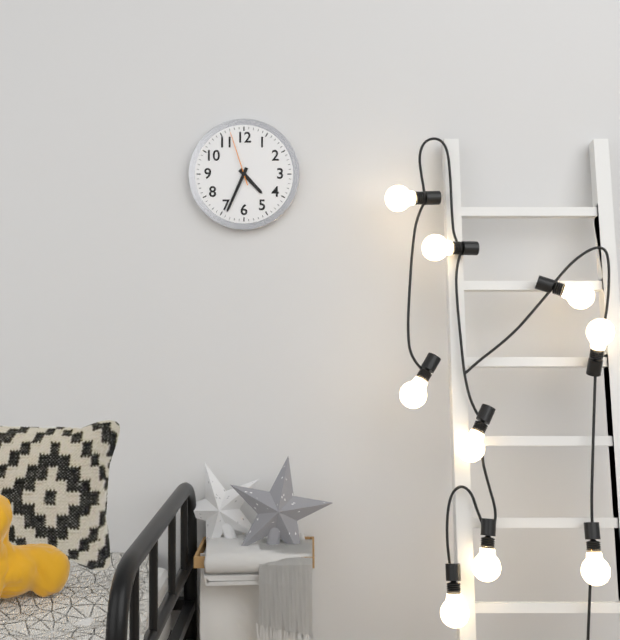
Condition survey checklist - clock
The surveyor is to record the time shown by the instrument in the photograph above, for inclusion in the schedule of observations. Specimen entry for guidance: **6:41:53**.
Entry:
**4:34:57**
